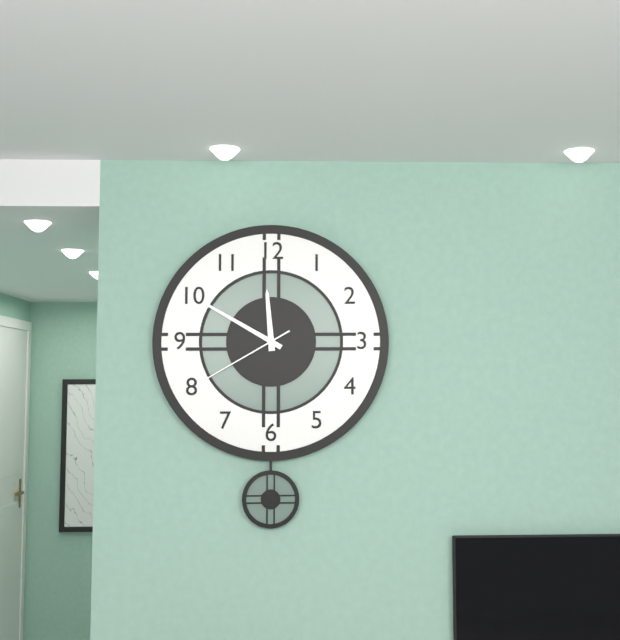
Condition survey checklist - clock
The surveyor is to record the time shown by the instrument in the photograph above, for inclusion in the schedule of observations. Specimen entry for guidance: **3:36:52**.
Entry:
**11:50:40**
